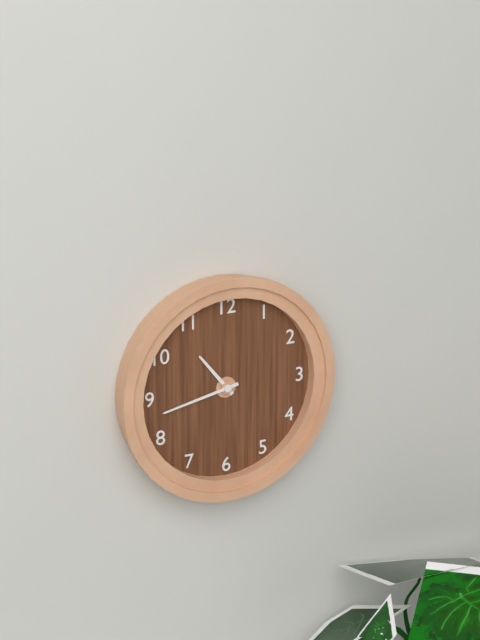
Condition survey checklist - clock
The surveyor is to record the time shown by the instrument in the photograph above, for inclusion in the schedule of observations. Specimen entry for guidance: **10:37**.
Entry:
**10:43**
